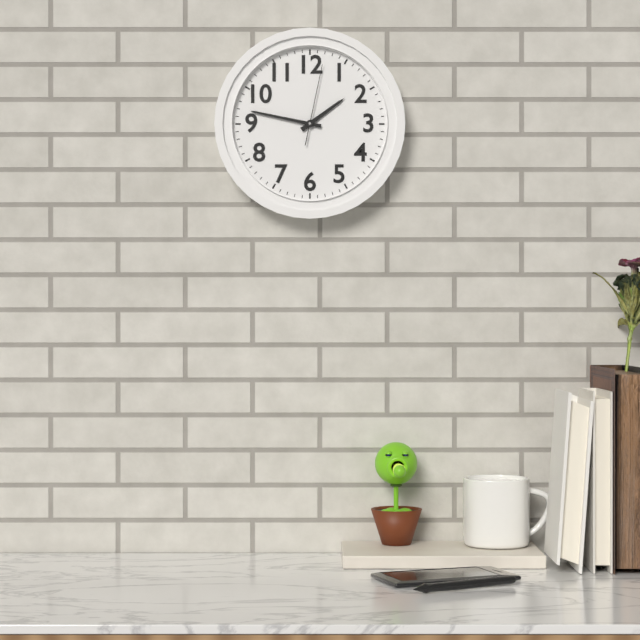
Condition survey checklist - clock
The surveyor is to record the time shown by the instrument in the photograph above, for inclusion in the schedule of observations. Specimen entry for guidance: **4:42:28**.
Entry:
**1:47:02**
